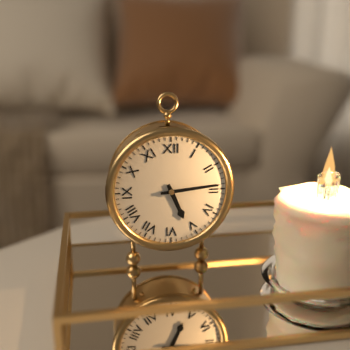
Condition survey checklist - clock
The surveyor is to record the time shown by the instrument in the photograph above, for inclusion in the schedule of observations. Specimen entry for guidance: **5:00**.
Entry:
**5:14**
